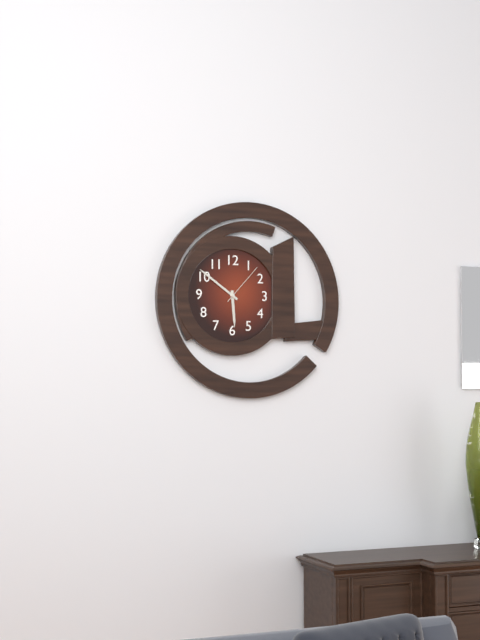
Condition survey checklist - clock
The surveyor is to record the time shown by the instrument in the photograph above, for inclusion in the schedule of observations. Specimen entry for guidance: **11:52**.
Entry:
**5:51**
